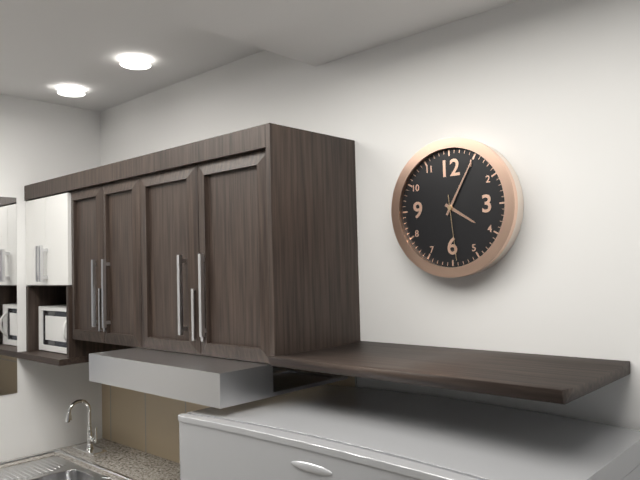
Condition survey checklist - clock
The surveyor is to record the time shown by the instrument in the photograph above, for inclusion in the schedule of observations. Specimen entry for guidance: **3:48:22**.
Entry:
**4:05:29**
